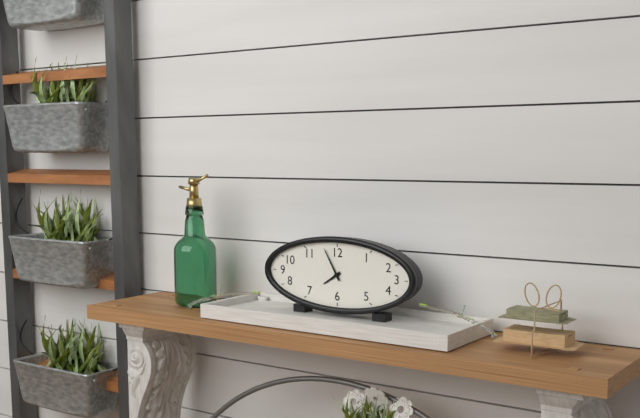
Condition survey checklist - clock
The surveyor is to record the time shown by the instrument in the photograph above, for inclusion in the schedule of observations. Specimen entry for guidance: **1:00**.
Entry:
**7:55**
